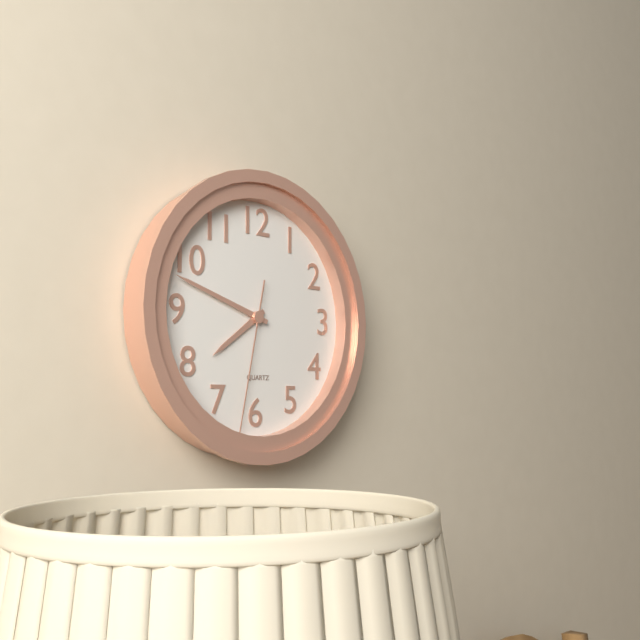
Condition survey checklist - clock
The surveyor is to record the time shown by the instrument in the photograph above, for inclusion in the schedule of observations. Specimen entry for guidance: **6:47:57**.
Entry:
**7:48:32**
